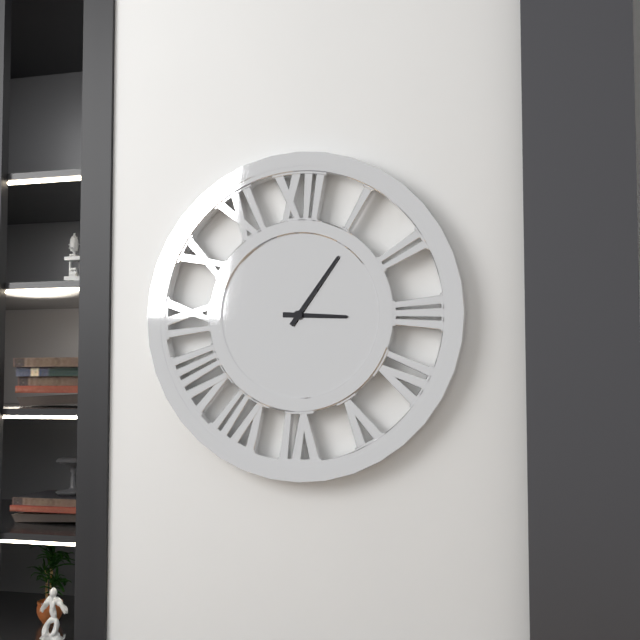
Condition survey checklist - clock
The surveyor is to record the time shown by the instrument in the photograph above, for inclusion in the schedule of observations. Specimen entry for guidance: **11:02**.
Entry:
**3:06**
